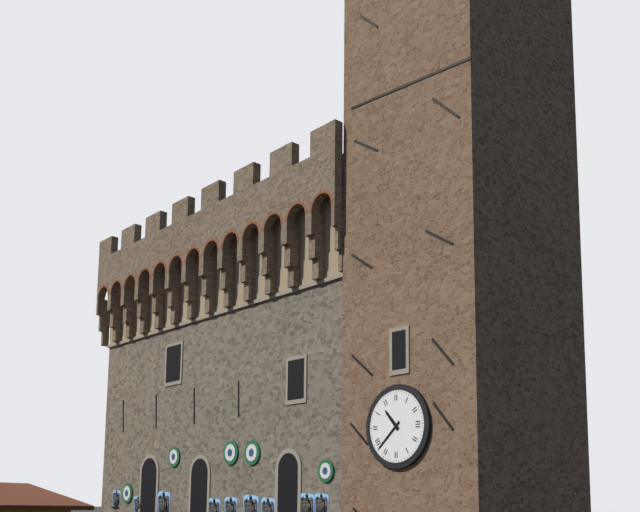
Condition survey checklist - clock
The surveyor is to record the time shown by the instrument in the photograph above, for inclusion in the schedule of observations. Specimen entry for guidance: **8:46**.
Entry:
**10:38**
